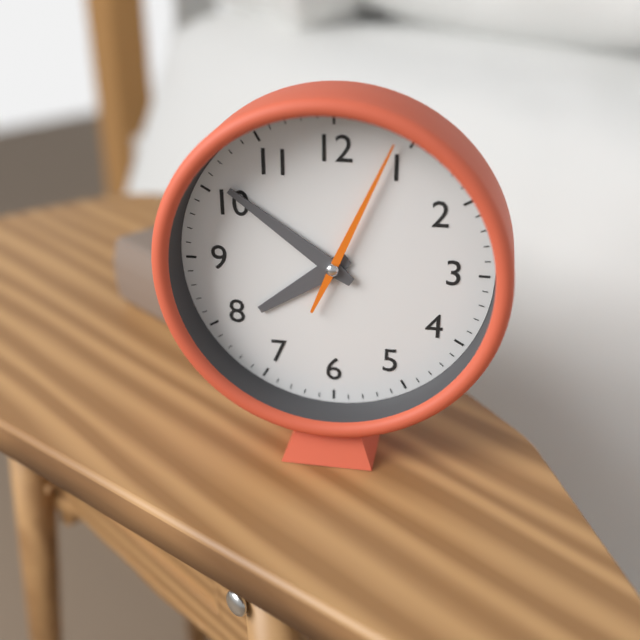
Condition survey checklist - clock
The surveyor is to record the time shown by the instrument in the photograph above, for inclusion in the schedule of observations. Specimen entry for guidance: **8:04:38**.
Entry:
**7:51:04**
